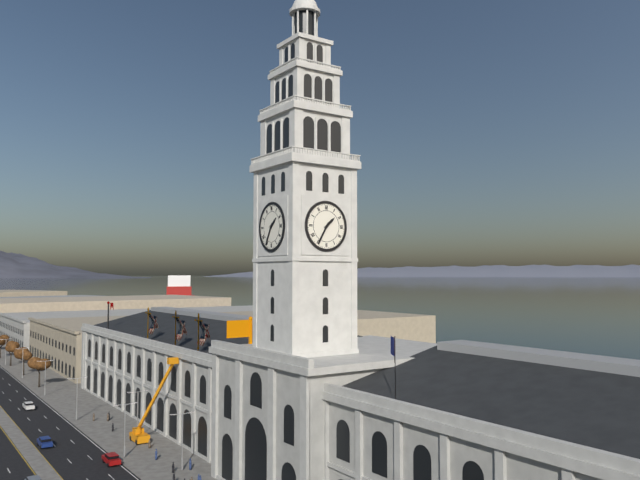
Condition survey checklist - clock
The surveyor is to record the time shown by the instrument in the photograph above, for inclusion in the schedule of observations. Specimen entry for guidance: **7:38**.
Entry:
**1:35**
